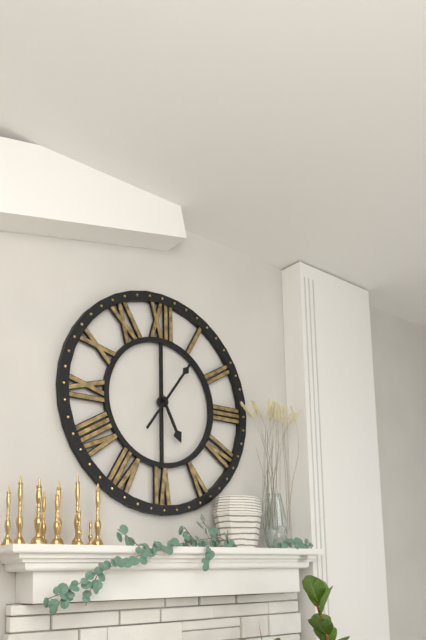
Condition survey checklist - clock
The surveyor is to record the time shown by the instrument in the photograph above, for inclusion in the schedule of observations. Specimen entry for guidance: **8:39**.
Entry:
**5:06**
